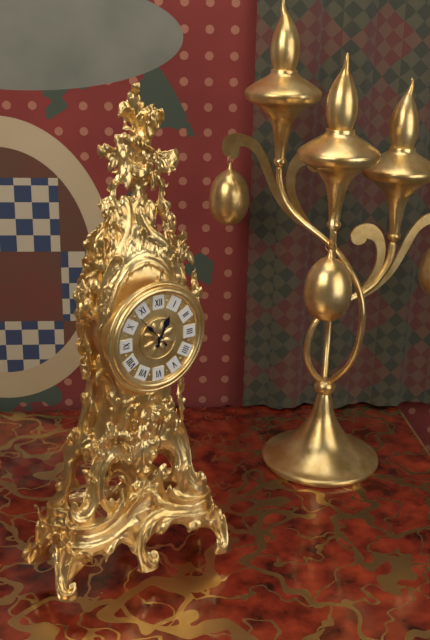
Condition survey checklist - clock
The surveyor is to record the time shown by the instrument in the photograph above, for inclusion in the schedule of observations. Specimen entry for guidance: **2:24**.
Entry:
**12:53**
